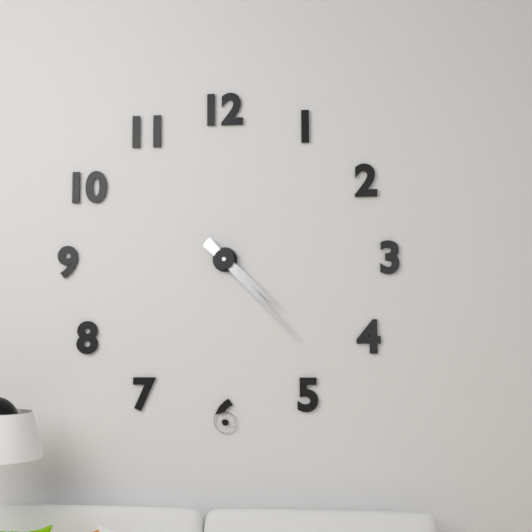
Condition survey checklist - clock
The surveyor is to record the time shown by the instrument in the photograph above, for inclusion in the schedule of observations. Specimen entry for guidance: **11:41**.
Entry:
**4:23**
